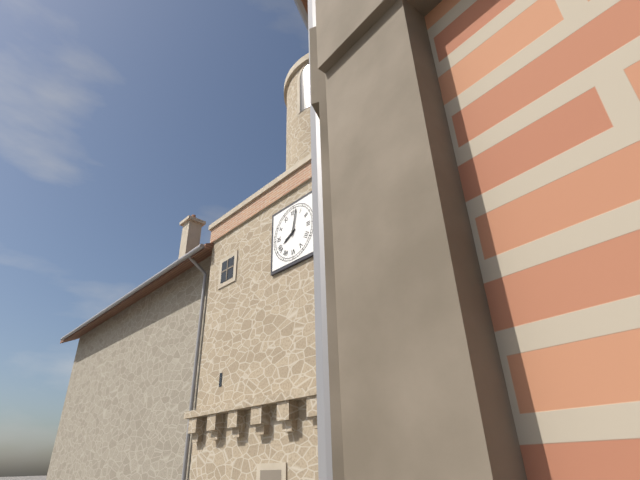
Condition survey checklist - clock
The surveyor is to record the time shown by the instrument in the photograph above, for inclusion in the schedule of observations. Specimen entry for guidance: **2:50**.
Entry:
**8:02**
